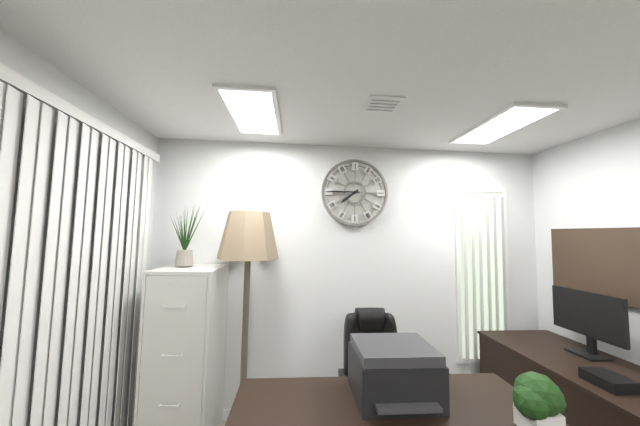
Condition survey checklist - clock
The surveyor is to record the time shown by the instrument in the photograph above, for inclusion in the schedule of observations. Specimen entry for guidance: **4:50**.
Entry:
**7:45**
